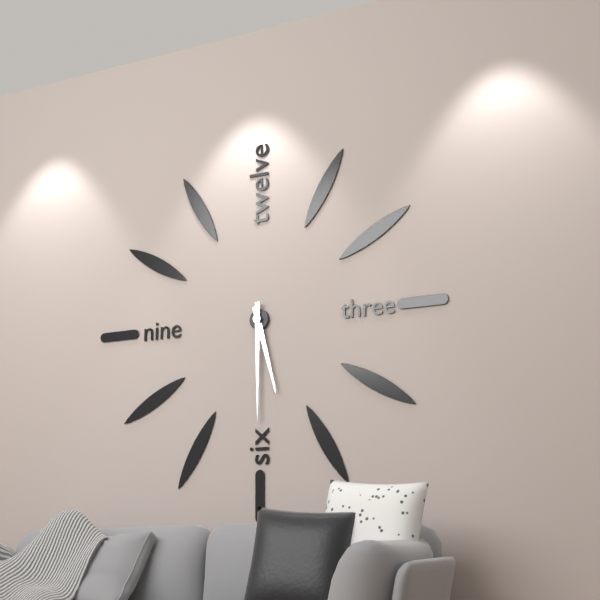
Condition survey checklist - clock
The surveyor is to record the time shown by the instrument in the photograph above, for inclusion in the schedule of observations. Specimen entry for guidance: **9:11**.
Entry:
**5:30**
